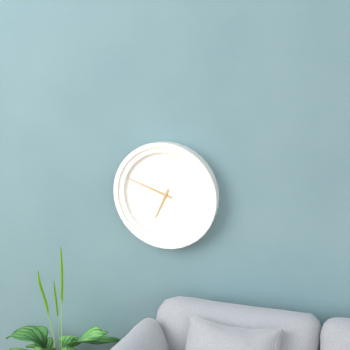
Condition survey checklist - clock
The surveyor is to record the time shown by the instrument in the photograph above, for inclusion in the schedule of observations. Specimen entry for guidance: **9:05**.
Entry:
**6:48**
